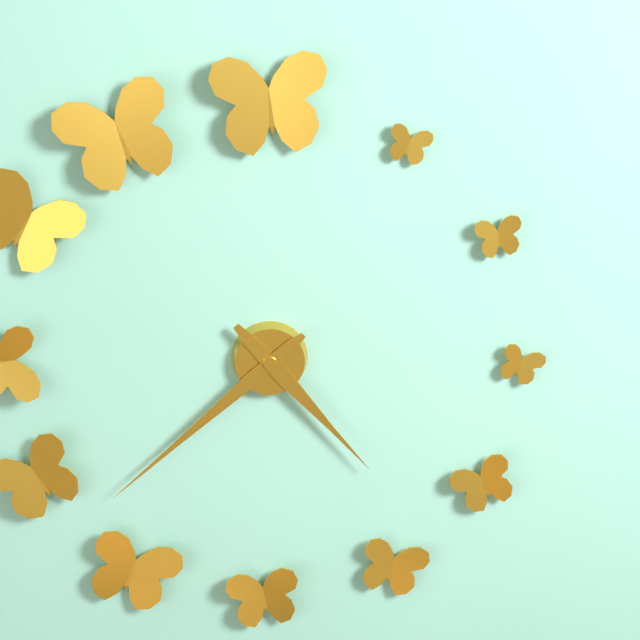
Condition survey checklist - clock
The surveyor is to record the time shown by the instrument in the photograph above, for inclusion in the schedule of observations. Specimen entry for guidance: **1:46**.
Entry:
**4:38**
